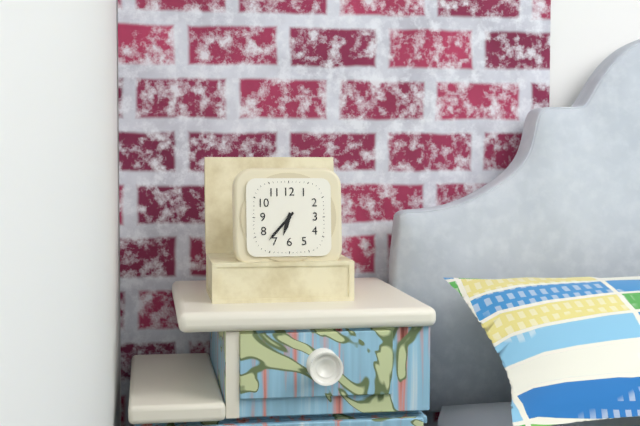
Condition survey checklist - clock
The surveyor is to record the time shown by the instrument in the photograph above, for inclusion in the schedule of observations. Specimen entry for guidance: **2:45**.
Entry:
**6:37**
